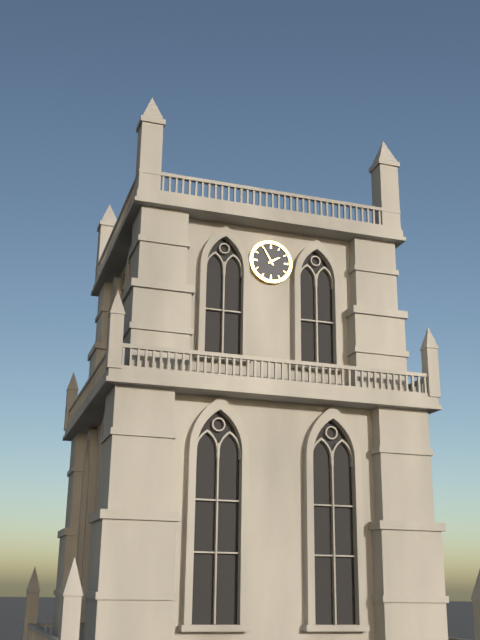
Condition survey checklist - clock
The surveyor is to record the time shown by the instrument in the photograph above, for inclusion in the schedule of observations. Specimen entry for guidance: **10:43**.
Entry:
**1:55**
